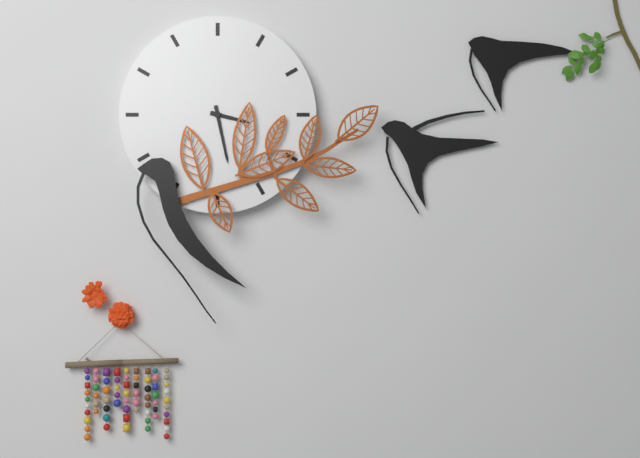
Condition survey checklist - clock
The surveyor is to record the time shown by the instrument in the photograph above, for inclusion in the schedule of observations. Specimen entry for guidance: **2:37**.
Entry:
**3:28**
